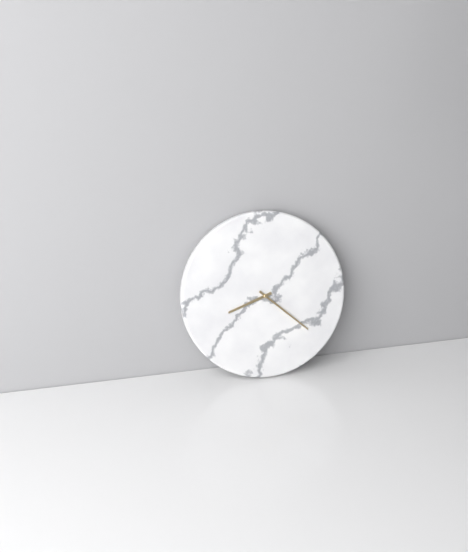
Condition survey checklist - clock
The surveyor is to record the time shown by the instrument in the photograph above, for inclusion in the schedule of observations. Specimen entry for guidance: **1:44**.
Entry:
**8:22**
